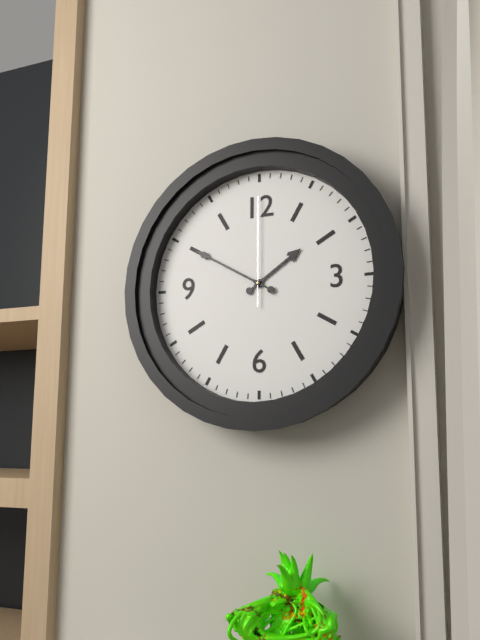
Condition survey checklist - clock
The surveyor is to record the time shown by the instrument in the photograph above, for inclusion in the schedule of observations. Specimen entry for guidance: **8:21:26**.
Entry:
**1:50:00**
